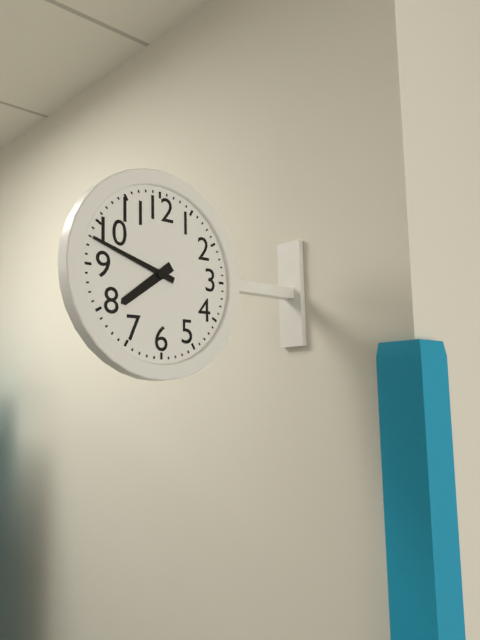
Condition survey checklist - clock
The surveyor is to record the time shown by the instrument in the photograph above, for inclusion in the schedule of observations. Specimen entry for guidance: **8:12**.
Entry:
**7:48**
